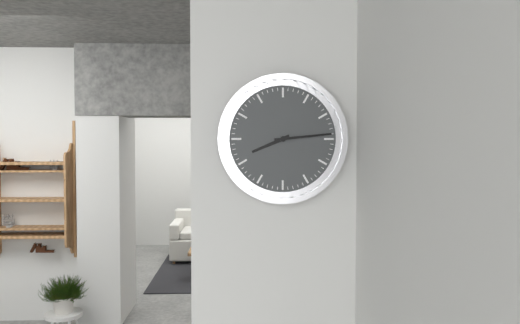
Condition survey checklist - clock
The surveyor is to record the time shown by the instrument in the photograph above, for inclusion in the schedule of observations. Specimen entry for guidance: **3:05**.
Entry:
**8:14**
